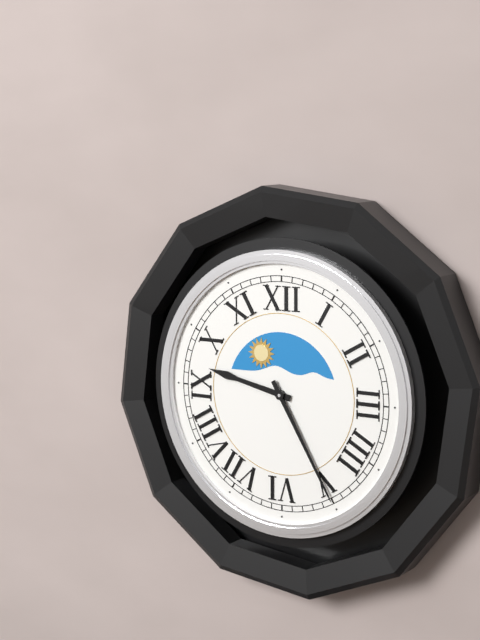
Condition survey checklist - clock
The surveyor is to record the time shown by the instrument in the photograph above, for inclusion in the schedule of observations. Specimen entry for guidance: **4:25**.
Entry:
**9:25**
